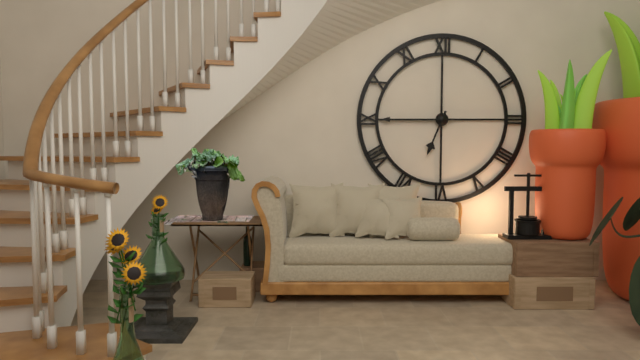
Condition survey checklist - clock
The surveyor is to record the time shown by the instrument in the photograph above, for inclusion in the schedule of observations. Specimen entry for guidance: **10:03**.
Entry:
**6:45**
